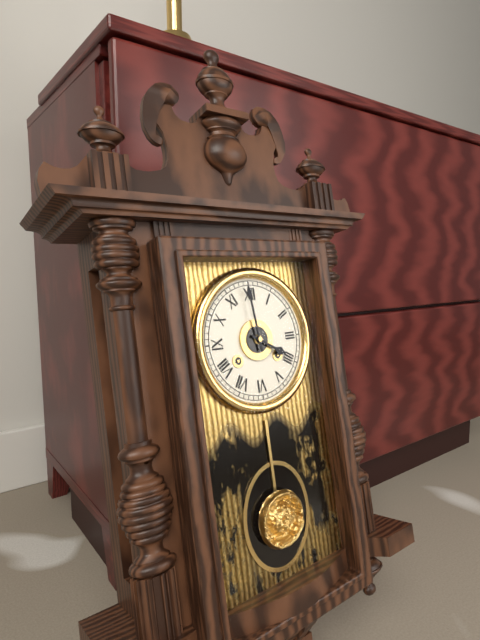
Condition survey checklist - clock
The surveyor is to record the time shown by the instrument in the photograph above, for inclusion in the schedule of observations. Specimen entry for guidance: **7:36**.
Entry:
**3:59**
